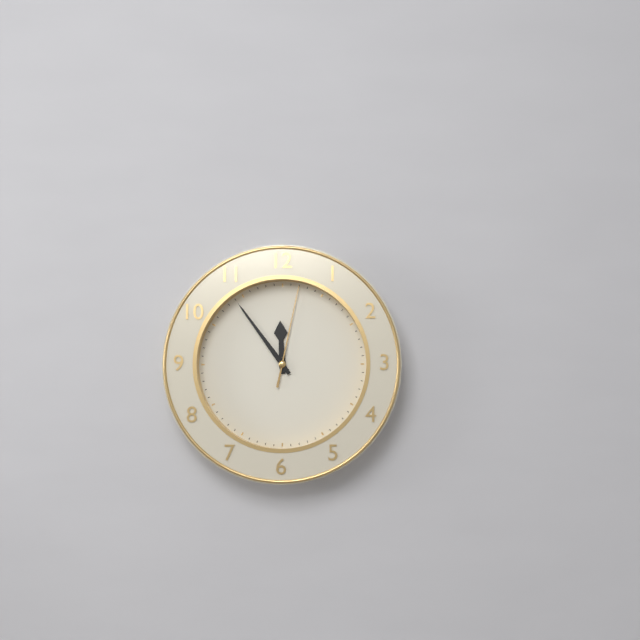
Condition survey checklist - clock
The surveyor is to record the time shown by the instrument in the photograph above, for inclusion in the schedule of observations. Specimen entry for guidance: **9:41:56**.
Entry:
**11:54:02**
